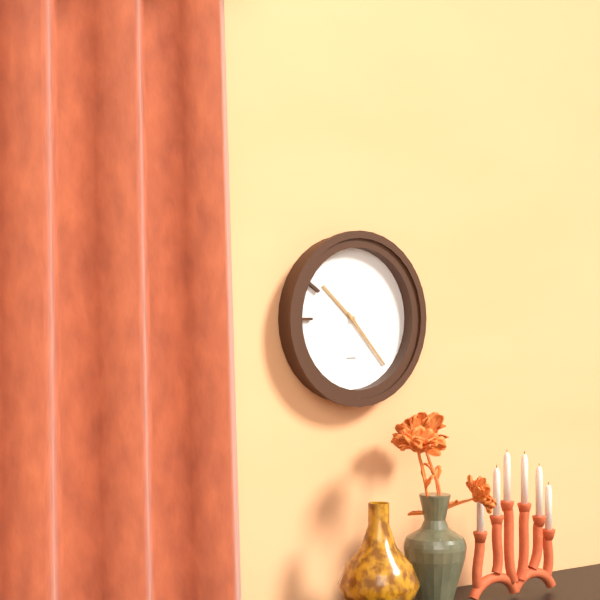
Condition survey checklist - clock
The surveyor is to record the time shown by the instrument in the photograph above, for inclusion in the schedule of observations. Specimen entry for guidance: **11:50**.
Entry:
**10:23**
